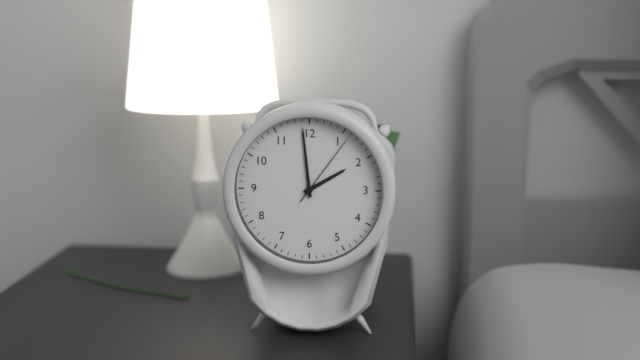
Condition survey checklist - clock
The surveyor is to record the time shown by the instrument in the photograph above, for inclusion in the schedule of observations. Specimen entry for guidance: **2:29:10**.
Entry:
**1:59:06**
